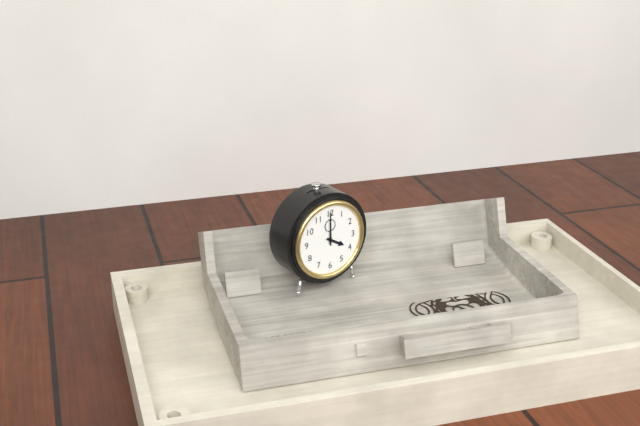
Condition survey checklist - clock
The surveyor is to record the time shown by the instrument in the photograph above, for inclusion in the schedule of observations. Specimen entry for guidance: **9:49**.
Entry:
**4:00**
